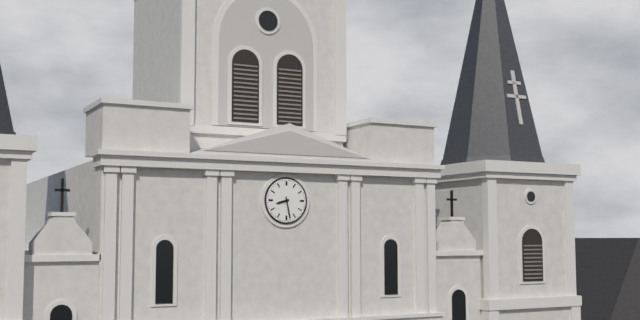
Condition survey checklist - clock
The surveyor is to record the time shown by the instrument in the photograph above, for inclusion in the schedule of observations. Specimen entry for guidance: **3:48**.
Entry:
**8:28**
